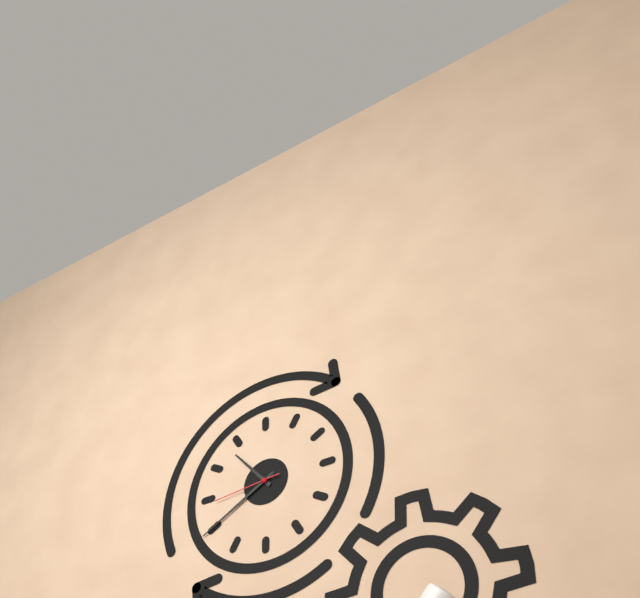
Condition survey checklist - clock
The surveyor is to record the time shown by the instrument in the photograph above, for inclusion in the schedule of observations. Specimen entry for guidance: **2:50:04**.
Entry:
**10:40:44**
